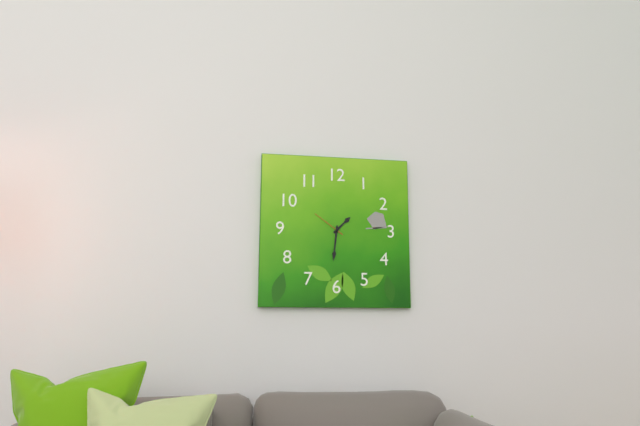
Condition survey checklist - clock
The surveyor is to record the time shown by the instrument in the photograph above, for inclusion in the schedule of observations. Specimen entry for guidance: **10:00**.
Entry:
**1:31**
